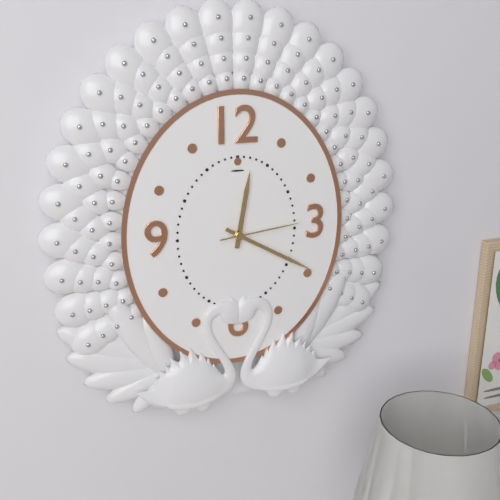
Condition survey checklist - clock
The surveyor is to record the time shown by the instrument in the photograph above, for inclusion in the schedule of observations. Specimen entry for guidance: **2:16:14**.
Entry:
**12:20:14**
